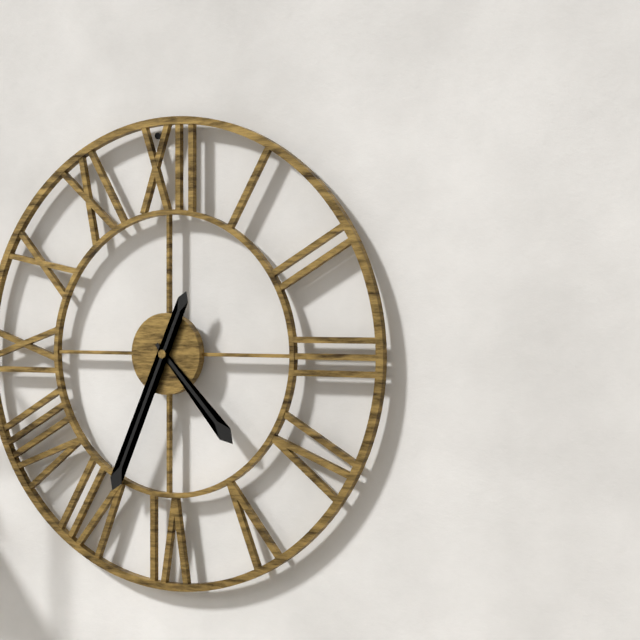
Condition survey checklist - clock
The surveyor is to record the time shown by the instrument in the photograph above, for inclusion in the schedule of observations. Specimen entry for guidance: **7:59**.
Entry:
**4:34**
